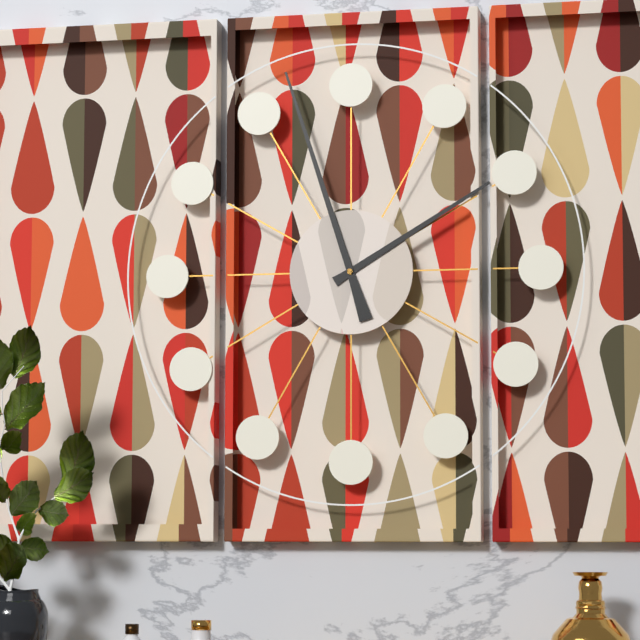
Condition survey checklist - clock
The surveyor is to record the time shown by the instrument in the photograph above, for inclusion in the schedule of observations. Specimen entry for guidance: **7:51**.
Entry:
**1:57**
